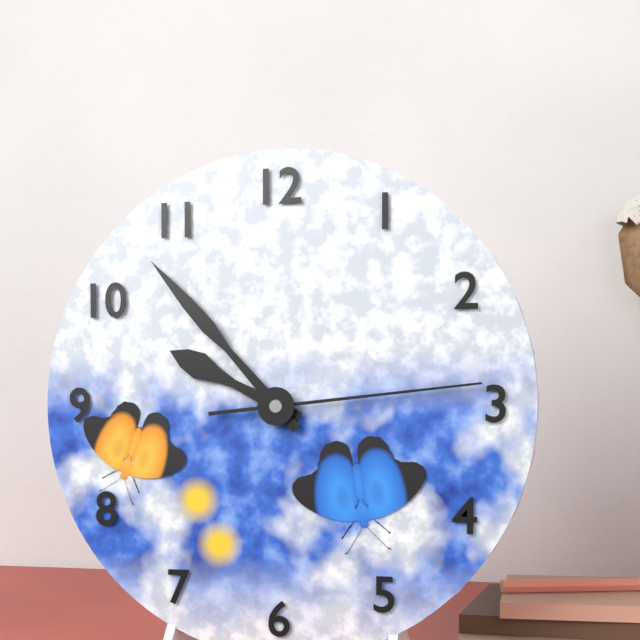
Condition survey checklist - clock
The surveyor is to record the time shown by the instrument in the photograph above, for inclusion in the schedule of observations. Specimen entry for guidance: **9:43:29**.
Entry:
**9:53:14**
